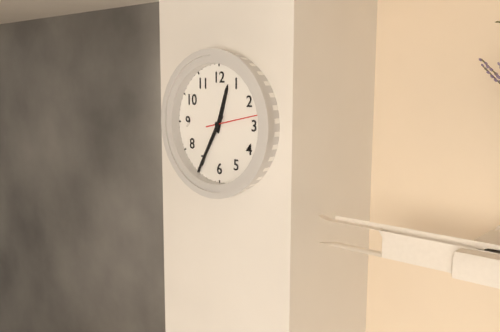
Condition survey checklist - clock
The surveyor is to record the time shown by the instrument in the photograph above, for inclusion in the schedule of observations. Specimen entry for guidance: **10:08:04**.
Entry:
**12:35:13**
